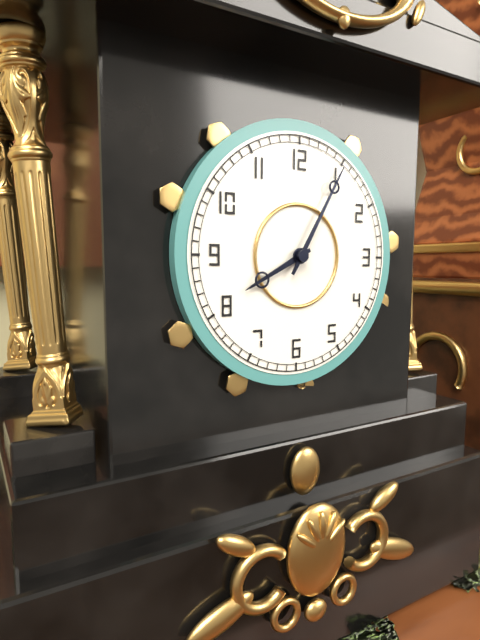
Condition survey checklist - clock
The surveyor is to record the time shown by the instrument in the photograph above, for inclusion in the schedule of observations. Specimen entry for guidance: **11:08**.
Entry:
**8:05**
